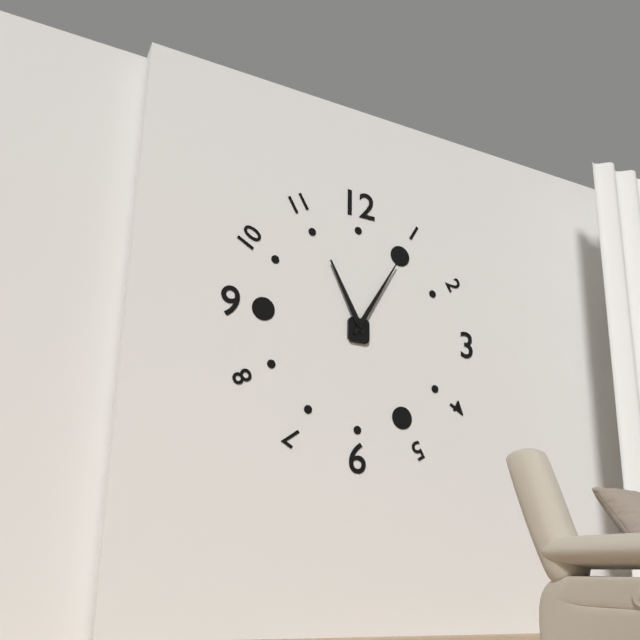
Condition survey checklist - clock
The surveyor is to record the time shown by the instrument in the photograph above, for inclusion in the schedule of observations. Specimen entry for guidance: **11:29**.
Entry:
**11:05**
